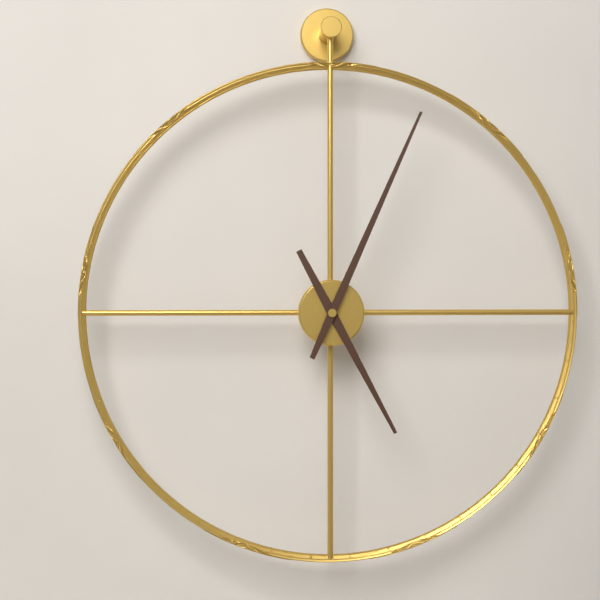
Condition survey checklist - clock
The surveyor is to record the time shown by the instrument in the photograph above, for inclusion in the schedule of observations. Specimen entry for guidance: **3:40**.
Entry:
**5:04**
